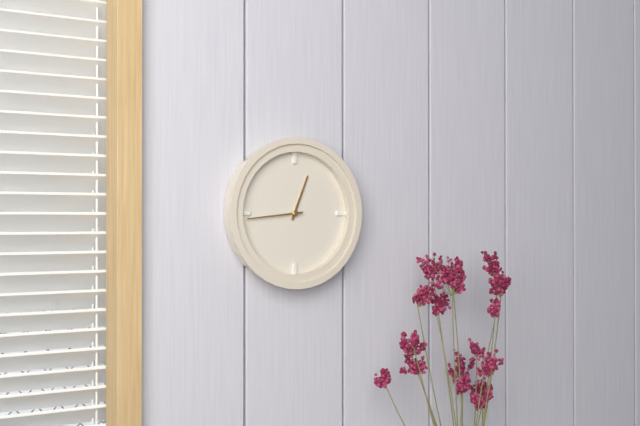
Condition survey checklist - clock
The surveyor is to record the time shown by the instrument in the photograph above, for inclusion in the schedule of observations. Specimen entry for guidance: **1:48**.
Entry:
**12:44**
